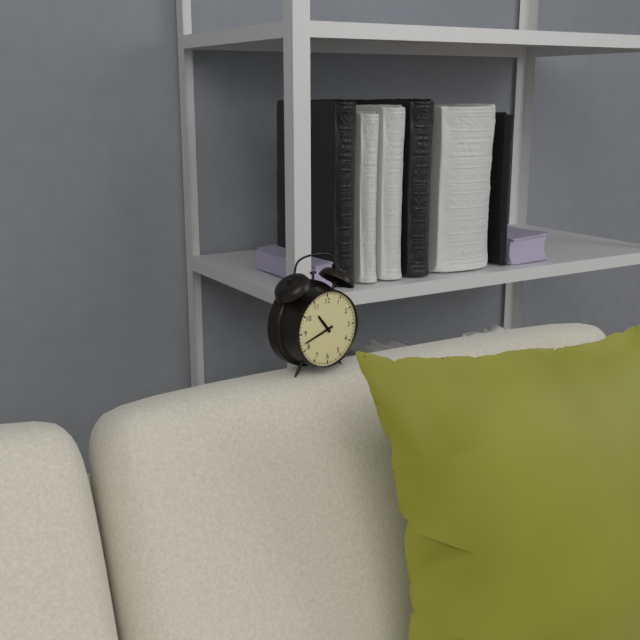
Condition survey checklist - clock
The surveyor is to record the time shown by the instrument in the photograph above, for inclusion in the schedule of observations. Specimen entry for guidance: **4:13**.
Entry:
**10:42**
